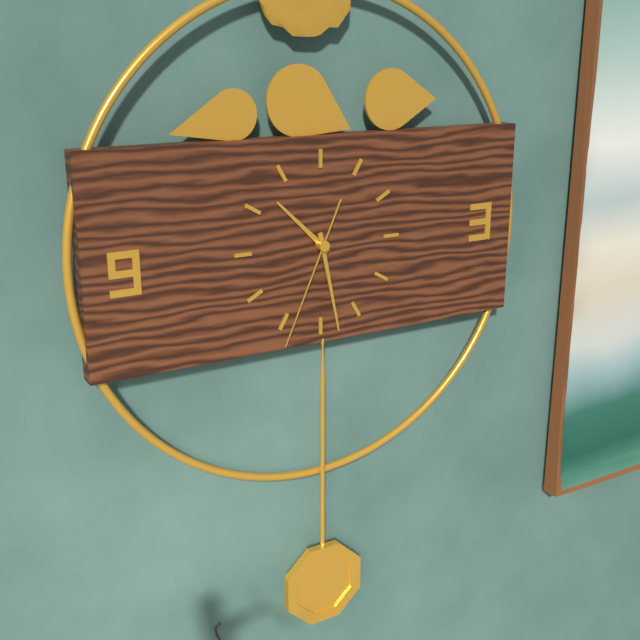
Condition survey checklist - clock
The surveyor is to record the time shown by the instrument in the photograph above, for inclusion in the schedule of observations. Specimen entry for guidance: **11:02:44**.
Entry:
**10:28:34**
